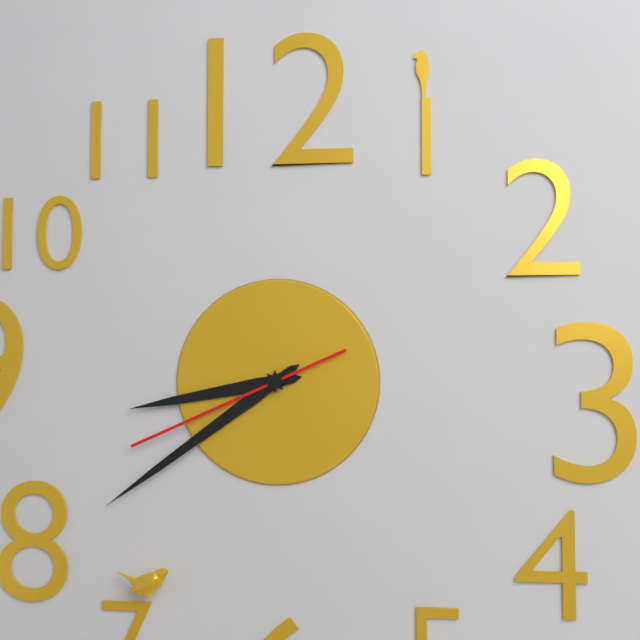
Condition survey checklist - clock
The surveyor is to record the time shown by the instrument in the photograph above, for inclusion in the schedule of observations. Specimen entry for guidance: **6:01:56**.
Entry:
**8:39:41**
